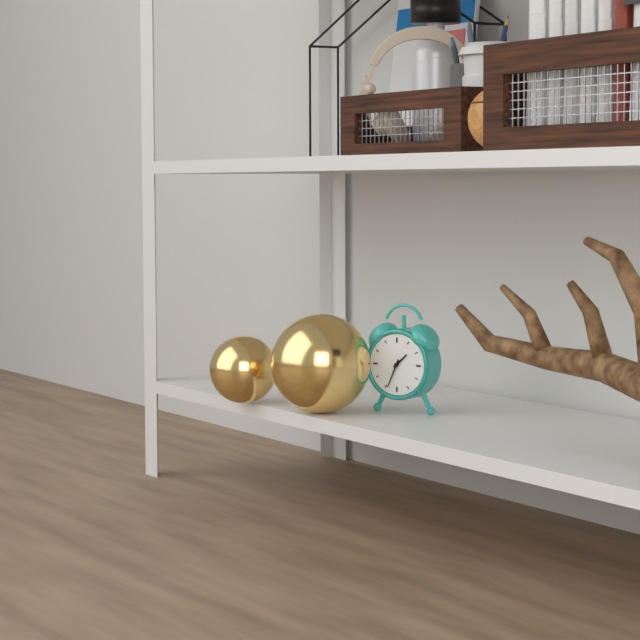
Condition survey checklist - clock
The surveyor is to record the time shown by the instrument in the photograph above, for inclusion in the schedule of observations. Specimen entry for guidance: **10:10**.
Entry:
**1:34**
